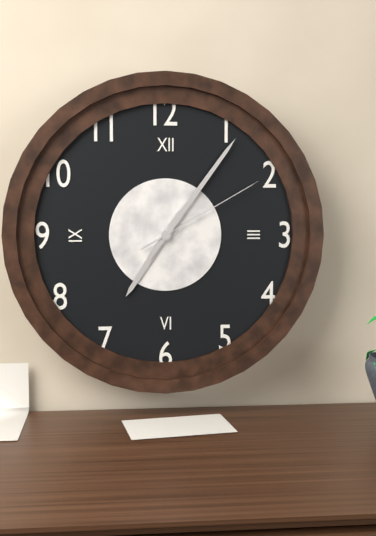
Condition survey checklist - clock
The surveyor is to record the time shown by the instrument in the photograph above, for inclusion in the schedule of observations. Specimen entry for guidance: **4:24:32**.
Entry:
**7:06:10**
